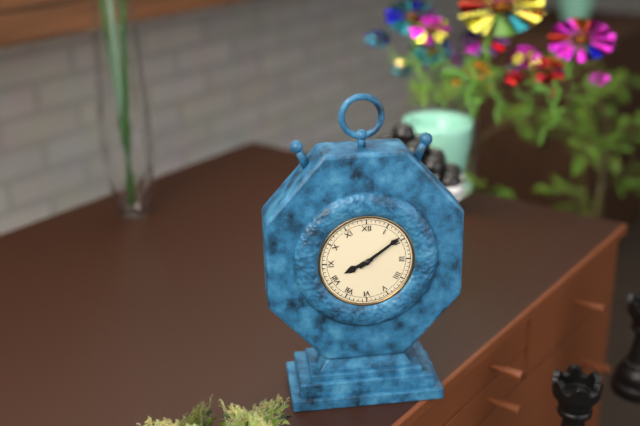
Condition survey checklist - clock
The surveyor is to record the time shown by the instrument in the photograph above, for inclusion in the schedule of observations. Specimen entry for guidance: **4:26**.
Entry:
**8:09**
